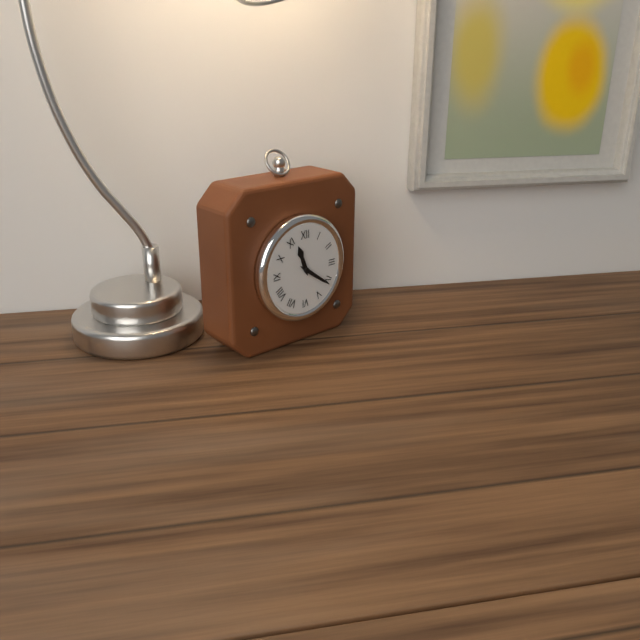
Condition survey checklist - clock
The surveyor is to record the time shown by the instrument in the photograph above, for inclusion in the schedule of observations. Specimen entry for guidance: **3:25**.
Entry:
**11:21**
